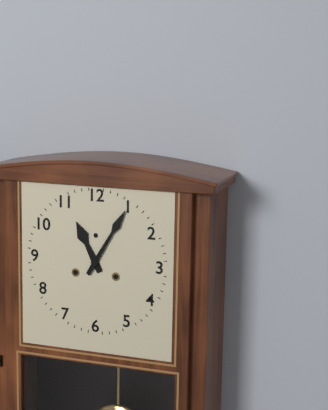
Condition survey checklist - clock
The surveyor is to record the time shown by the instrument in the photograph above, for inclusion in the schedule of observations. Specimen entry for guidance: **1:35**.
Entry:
**11:05**
